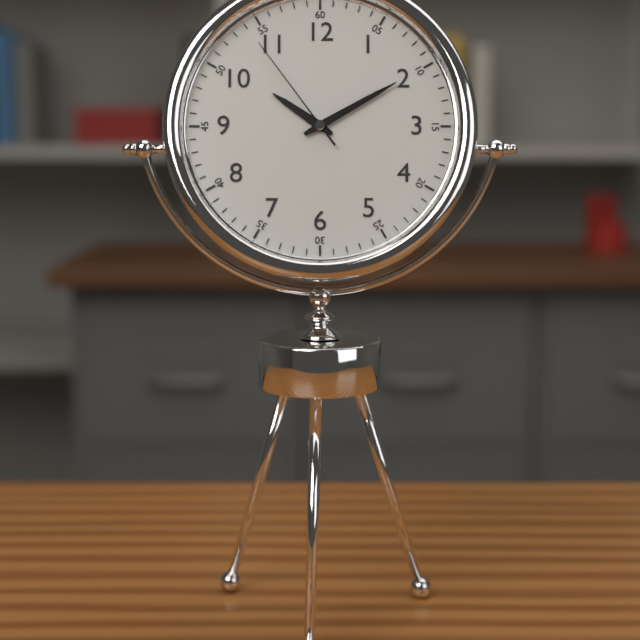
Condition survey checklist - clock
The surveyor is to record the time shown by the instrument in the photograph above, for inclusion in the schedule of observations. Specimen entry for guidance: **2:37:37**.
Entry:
**10:10:54**
